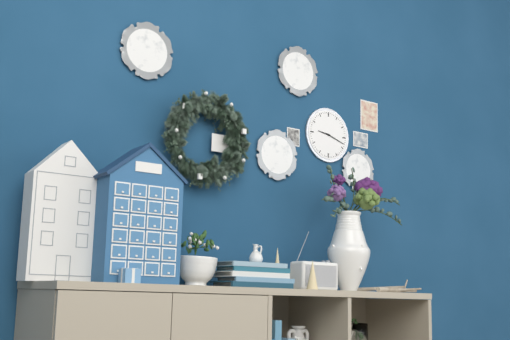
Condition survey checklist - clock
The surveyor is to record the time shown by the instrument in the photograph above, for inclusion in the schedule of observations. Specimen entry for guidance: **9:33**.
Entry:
**9:18**
